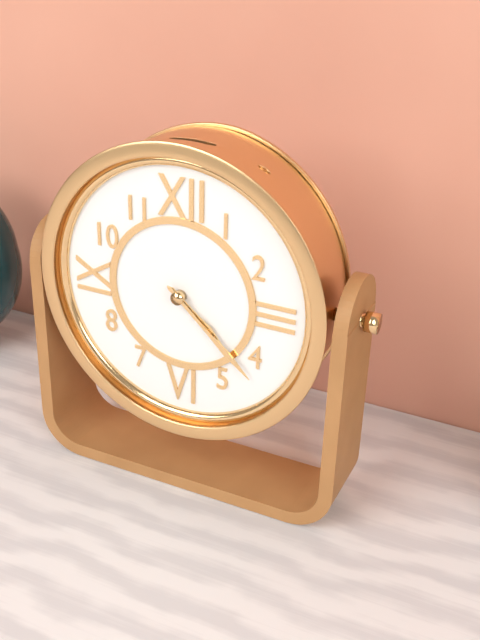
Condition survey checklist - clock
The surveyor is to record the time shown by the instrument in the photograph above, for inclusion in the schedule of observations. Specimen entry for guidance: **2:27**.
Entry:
**4:22**
